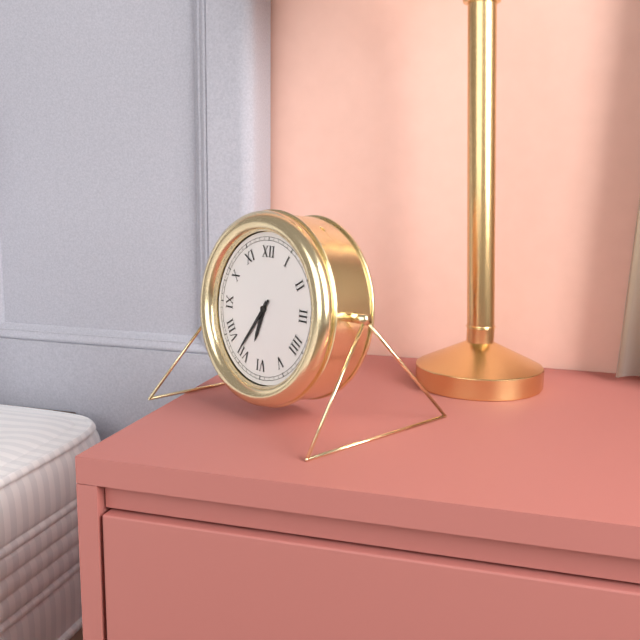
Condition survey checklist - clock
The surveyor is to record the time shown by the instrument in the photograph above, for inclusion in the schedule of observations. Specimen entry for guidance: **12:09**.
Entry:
**6:36**
